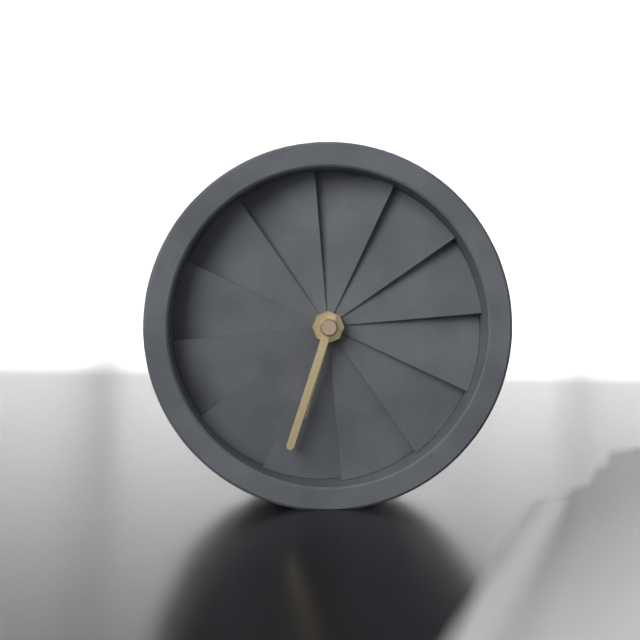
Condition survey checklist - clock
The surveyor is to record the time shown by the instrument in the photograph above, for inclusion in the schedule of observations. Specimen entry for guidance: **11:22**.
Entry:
**6:33**
